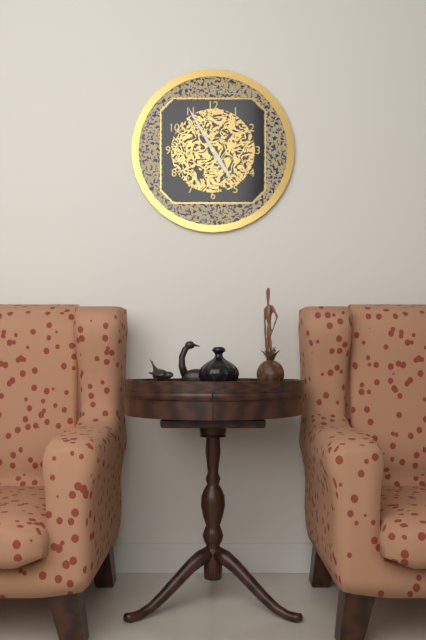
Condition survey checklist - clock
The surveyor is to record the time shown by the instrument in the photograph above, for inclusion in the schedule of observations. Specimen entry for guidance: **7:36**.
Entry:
**4:55**
